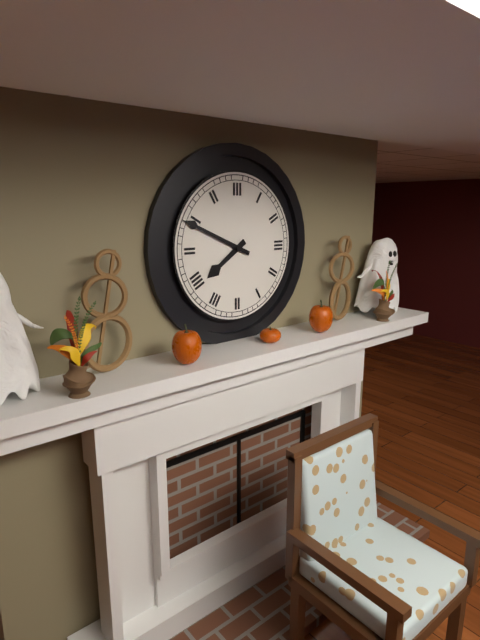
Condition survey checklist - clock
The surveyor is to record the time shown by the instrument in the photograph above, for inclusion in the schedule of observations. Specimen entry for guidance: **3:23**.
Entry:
**7:49**
